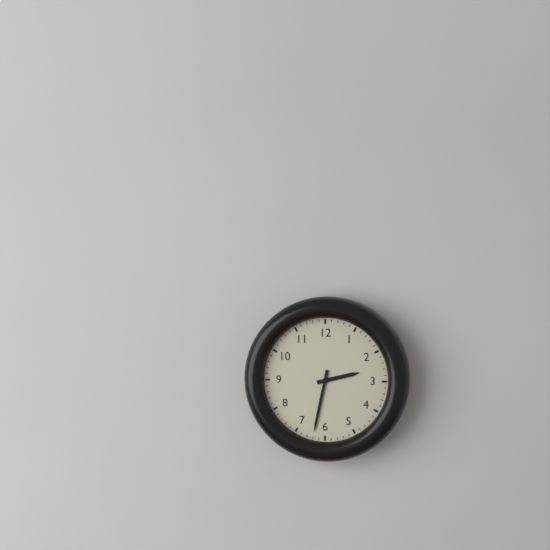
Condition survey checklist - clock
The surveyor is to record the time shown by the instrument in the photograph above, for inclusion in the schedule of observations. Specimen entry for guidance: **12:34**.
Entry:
**2:32**
